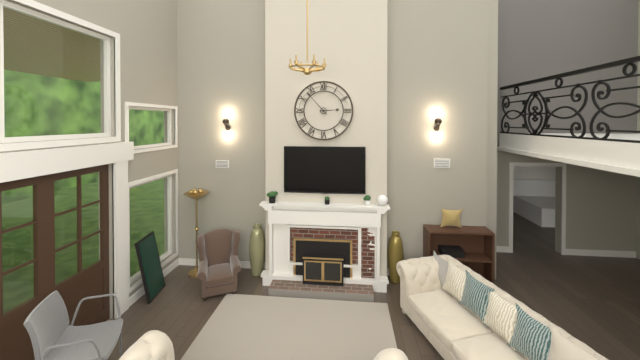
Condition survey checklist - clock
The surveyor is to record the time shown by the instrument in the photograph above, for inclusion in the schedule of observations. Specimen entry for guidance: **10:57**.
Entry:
**2:53**
